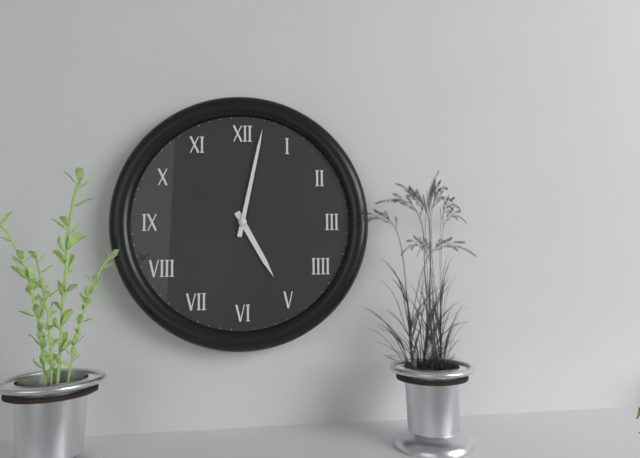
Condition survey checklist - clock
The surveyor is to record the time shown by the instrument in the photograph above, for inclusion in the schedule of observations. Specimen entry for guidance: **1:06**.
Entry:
**5:02**
